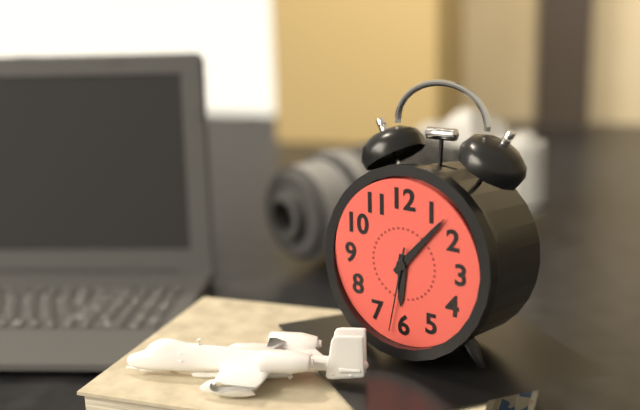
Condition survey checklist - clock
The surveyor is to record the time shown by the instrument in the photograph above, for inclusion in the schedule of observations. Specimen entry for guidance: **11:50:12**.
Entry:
**6:07:32**
